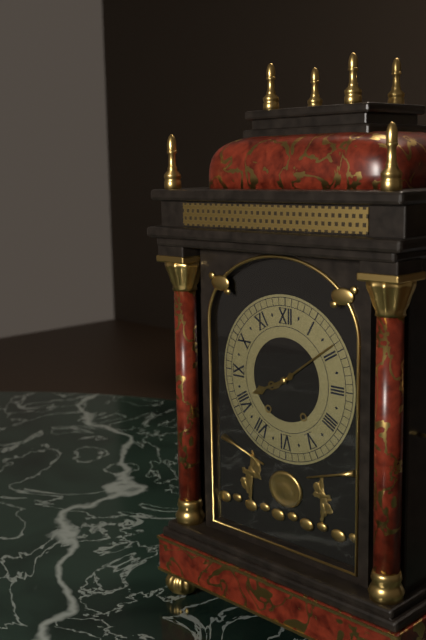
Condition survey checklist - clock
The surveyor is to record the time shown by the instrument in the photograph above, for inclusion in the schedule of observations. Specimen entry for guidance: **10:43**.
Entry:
**8:09**
